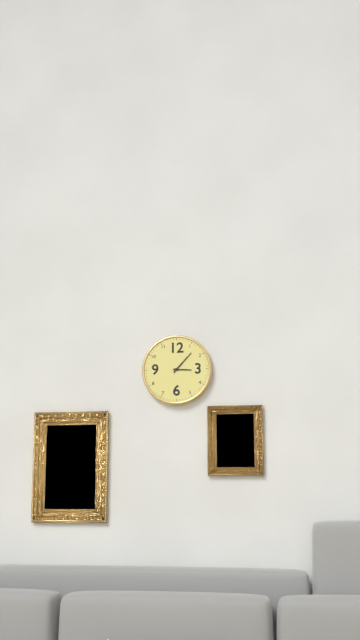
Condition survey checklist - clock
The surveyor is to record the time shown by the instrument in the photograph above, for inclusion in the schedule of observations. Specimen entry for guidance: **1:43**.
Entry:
**3:07**
